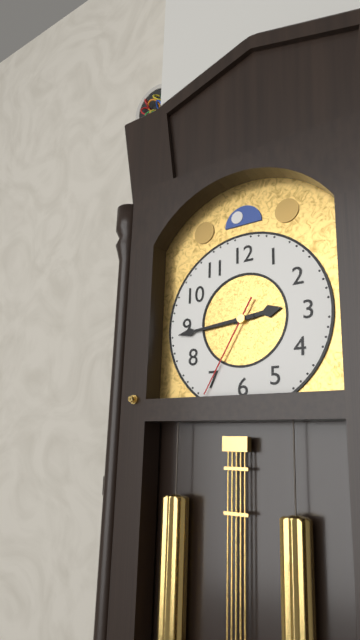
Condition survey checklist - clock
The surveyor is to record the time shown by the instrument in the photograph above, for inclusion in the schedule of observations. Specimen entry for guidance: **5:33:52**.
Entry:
**2:44:35**
